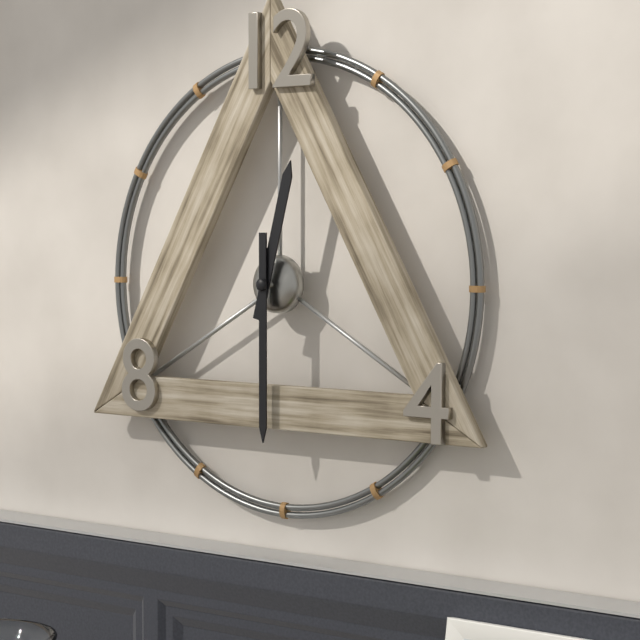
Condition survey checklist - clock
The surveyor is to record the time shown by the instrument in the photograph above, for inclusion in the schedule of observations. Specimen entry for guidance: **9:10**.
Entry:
**12:30**
